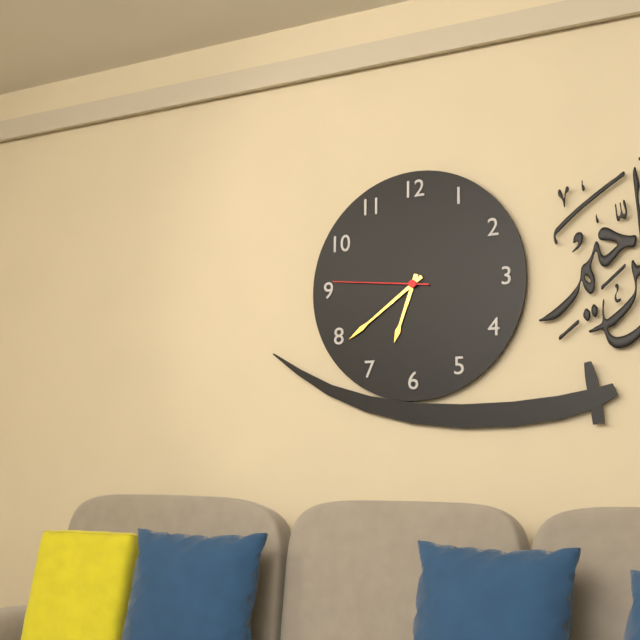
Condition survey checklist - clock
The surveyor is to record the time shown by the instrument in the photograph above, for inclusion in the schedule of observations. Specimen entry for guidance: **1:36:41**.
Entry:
**6:39:46**
